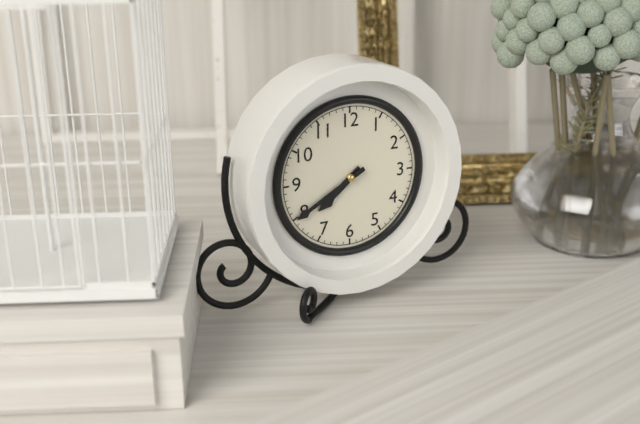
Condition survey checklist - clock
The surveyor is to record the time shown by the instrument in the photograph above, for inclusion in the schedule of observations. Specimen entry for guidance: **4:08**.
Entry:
**7:40**
